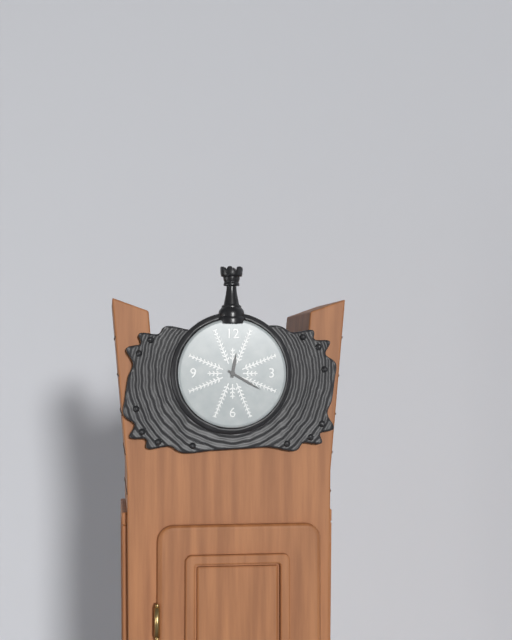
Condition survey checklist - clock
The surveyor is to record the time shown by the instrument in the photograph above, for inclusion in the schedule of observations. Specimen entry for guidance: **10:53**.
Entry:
**12:20**
